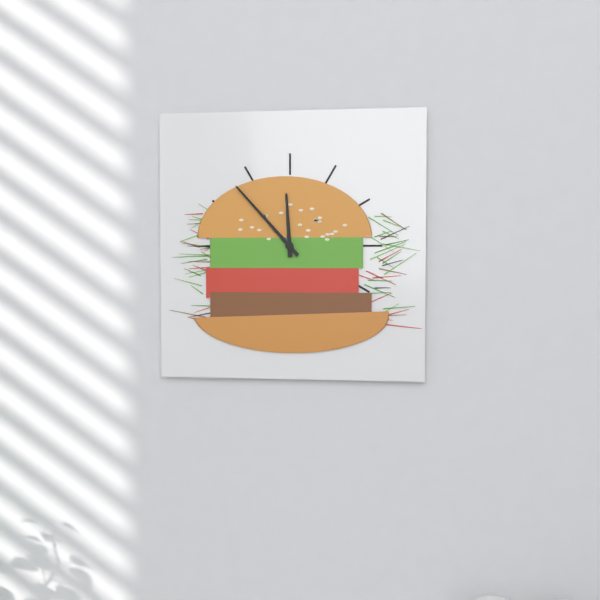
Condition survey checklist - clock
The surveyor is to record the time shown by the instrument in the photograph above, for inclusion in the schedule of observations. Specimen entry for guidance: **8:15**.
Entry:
**11:53**
